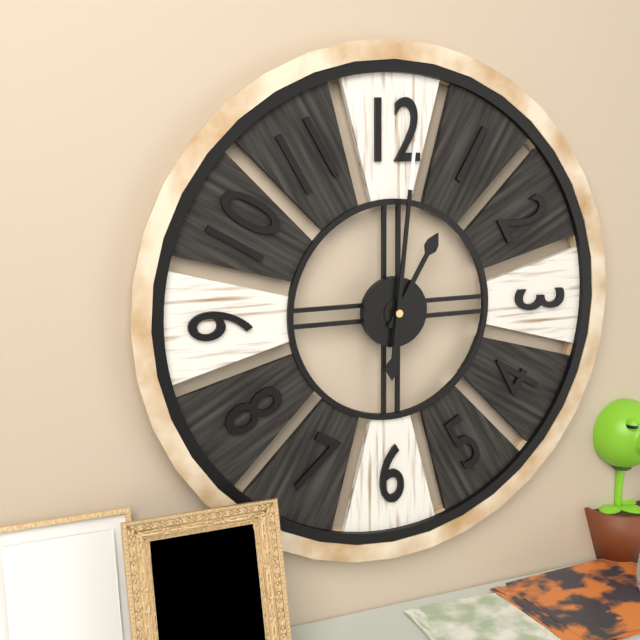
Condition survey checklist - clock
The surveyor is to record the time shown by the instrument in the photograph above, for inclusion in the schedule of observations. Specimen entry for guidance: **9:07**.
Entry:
**1:01**
